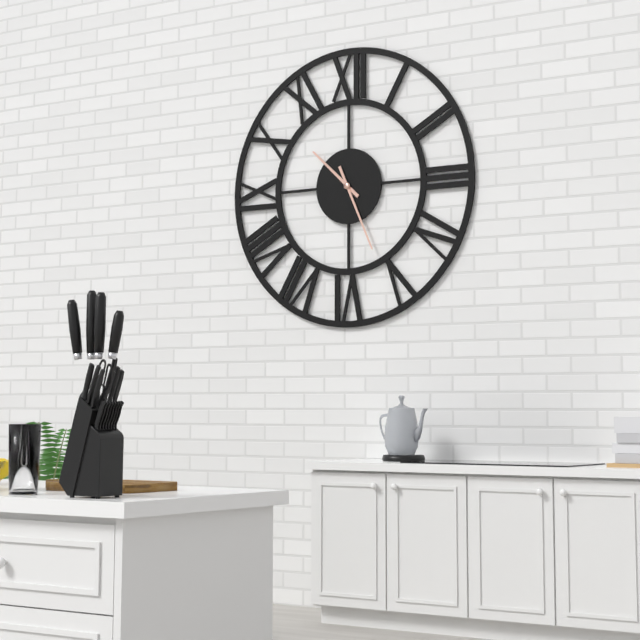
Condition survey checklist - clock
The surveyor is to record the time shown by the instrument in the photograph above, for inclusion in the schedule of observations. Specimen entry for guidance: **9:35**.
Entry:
**10:26**
